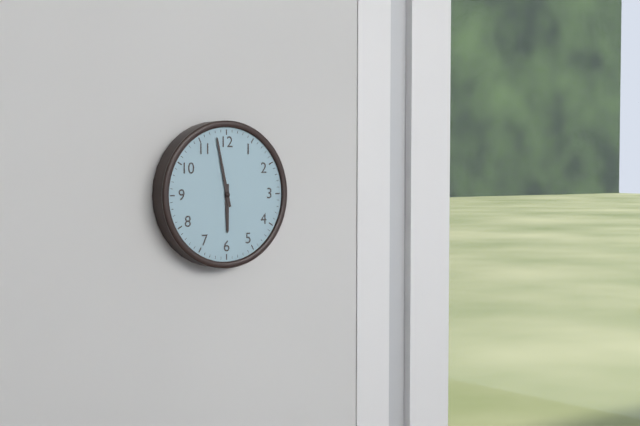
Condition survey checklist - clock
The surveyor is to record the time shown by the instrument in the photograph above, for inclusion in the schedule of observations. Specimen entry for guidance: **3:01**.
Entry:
**5:58**
